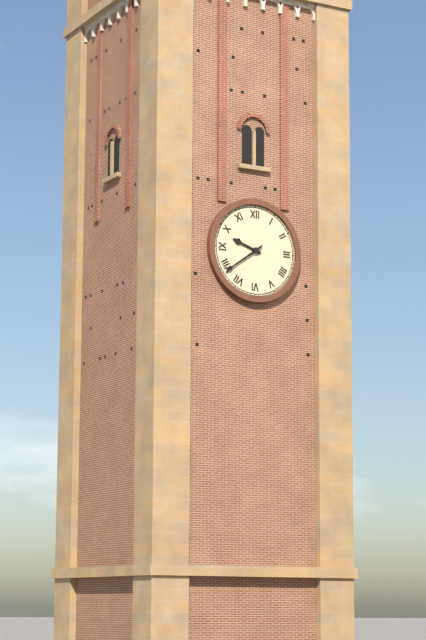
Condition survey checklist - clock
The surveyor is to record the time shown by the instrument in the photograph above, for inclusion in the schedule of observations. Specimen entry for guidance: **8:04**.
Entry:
**9:39**
